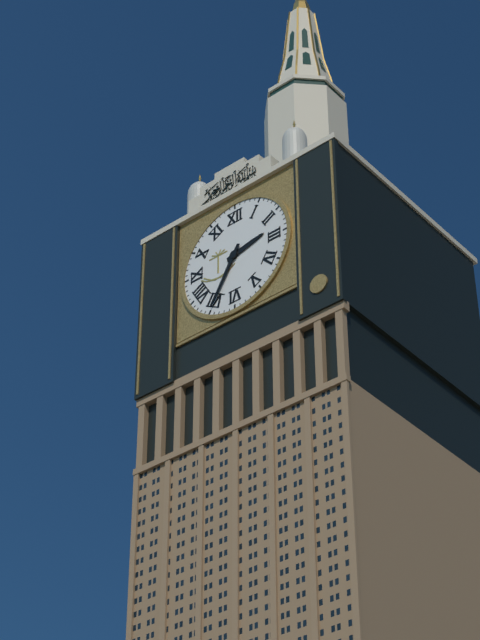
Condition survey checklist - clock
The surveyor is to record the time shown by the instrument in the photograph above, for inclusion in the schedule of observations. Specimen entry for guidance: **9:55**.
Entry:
**2:35**
